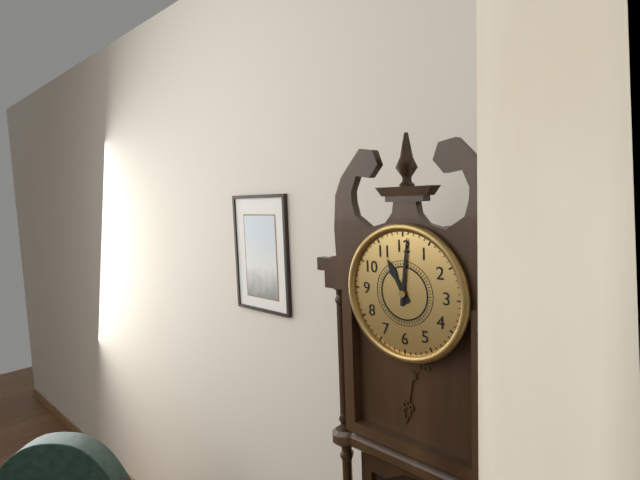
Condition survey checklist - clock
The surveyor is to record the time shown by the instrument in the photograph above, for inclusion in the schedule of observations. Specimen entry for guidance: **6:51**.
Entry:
**11:01**
